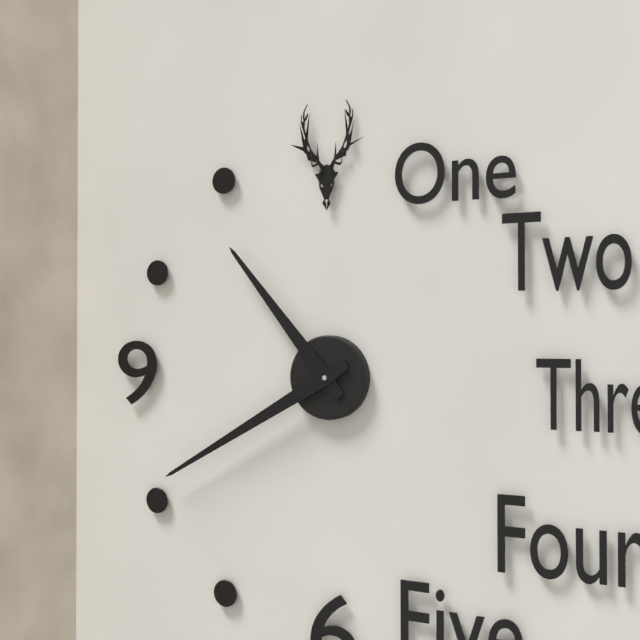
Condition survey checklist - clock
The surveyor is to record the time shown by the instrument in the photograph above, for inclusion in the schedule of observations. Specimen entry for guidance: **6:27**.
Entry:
**10:40**
